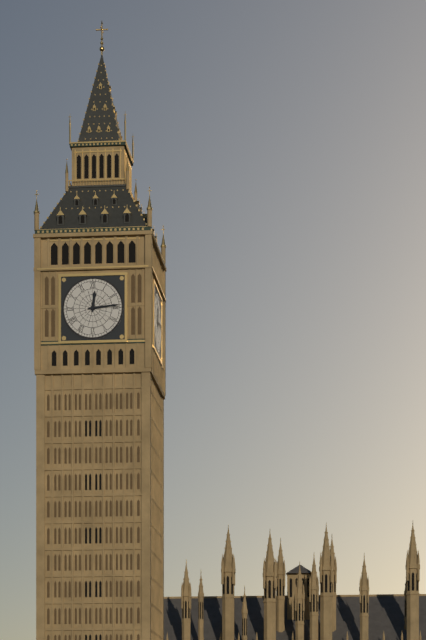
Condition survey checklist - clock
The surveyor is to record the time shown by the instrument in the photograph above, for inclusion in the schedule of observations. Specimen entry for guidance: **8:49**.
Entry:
**12:14**
